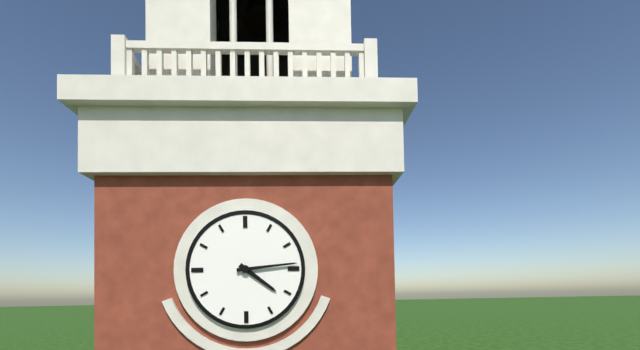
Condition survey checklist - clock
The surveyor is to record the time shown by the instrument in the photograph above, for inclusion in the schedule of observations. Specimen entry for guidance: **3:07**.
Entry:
**4:14**
